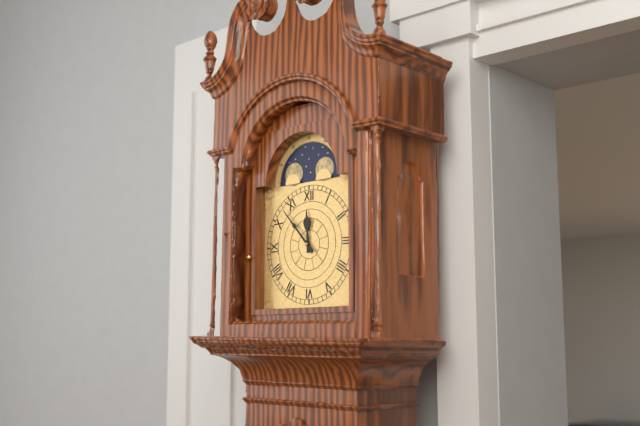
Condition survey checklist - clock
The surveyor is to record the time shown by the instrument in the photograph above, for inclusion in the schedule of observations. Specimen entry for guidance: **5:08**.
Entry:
**11:53**
